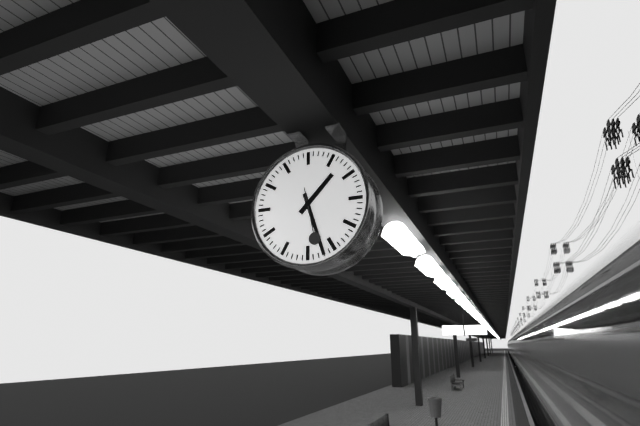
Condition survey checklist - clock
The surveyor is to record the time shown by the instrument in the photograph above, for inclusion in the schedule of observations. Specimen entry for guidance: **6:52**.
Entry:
**1:27**
